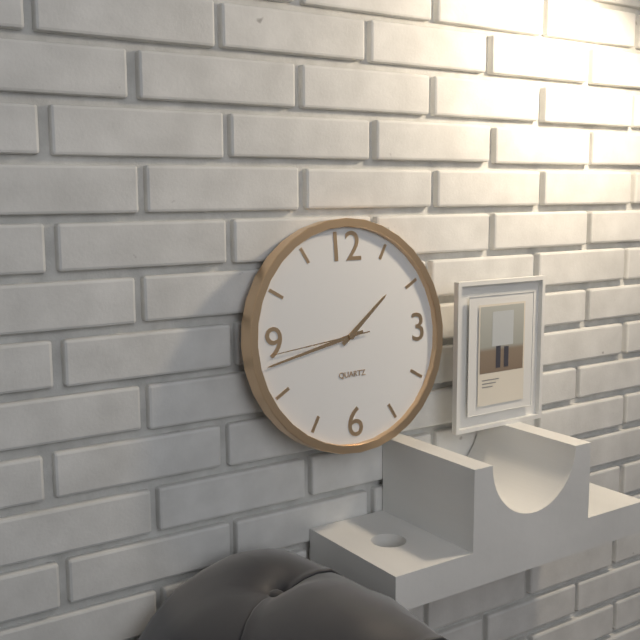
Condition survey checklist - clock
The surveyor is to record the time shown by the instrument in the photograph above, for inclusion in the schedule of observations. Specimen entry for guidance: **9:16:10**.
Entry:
**1:43:44**
